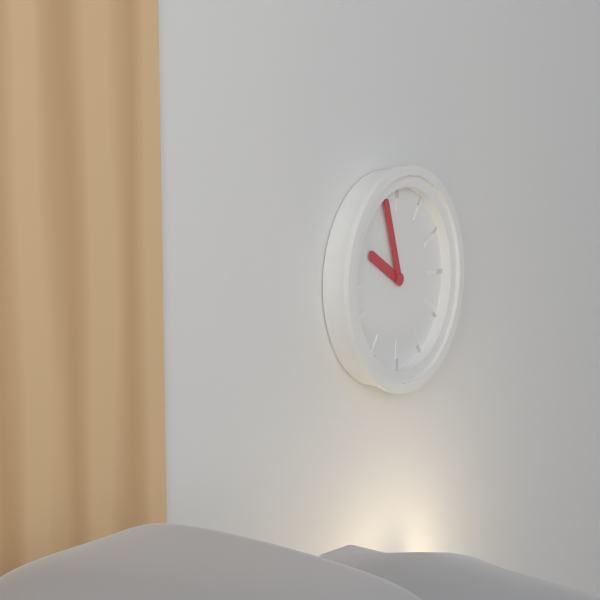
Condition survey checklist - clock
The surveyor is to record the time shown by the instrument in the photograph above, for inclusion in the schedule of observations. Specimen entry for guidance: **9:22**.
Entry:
**9:57**
